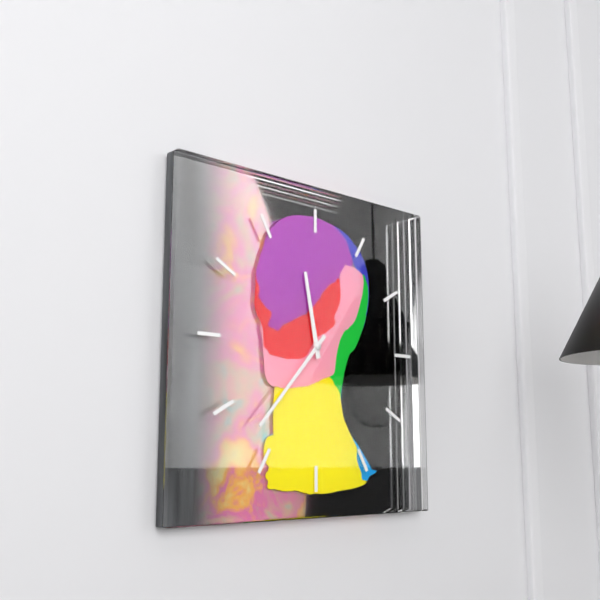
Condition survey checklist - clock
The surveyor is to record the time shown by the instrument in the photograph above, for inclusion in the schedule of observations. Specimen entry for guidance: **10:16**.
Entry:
**11:37**
